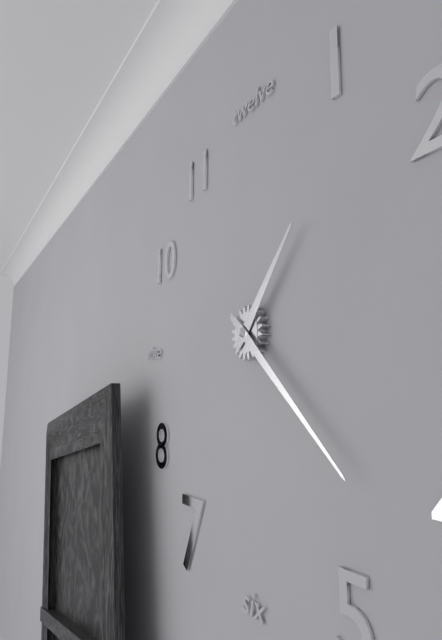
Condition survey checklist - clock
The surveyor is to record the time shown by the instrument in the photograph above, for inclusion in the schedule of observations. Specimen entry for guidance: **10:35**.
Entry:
**1:22**
